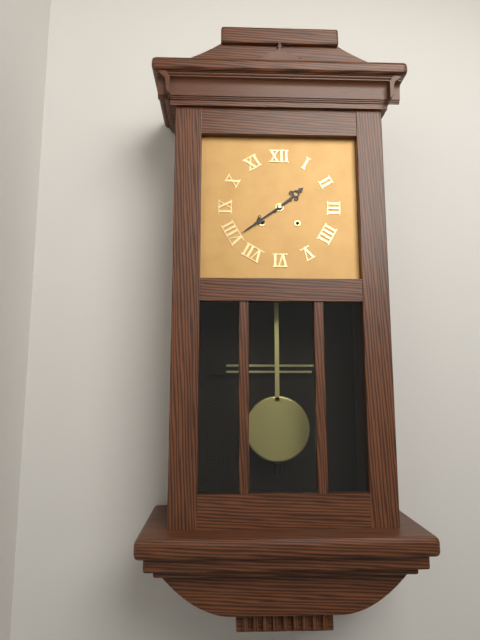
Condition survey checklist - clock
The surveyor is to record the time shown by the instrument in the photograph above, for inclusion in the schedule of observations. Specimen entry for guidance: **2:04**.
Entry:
**1:39**
